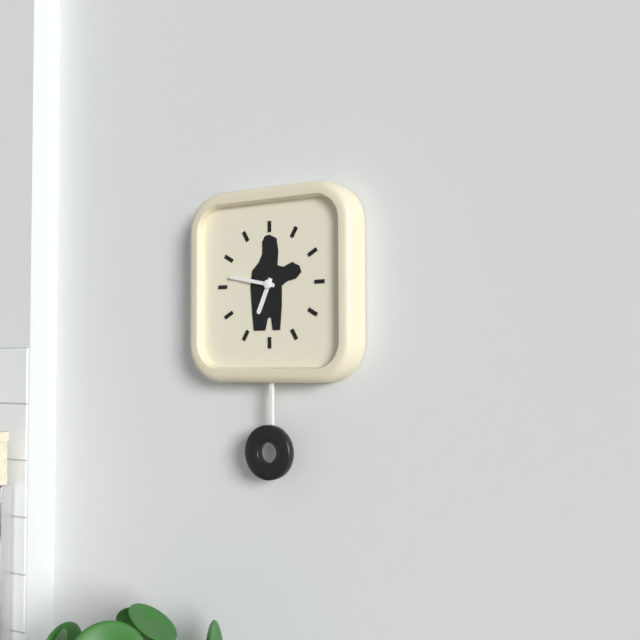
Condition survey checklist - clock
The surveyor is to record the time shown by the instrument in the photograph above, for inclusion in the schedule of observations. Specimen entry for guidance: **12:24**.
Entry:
**6:47**
